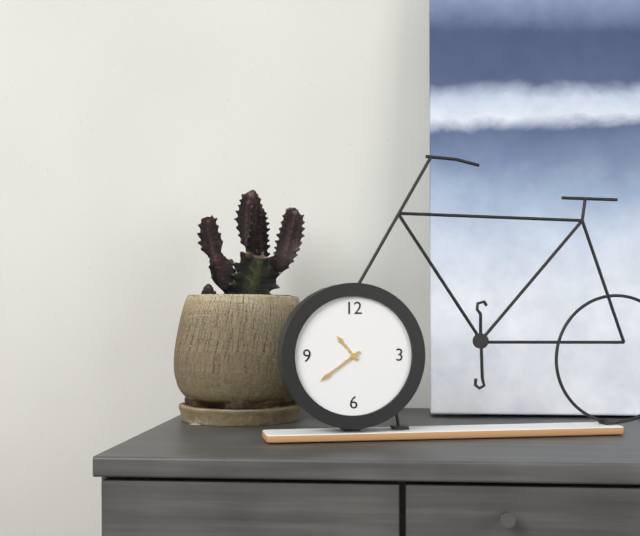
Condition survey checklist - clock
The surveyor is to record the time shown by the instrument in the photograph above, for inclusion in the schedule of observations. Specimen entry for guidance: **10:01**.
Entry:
**10:39**
